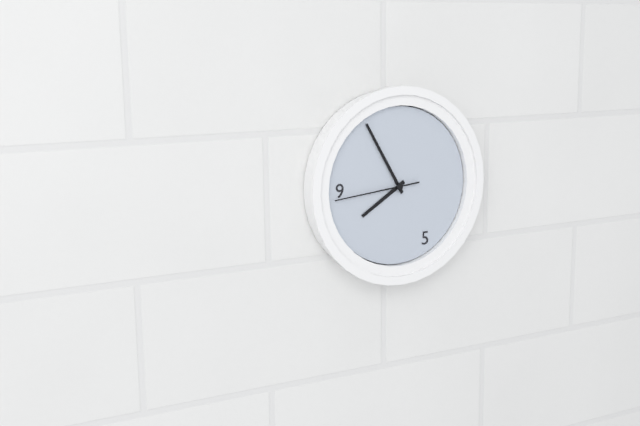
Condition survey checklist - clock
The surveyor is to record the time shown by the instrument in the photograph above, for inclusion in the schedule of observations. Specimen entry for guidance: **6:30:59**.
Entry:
**7:55:44**
